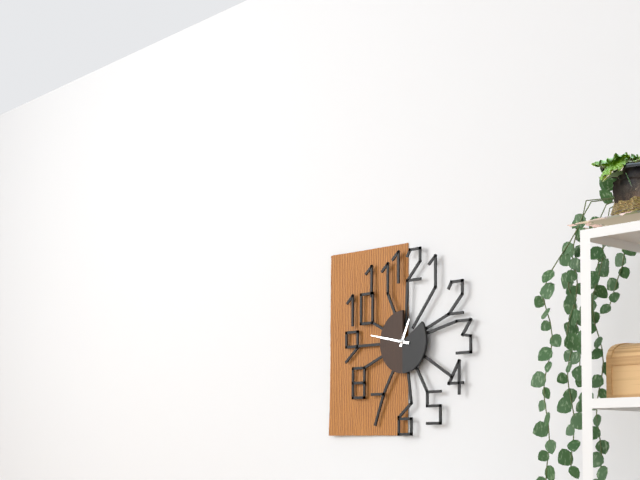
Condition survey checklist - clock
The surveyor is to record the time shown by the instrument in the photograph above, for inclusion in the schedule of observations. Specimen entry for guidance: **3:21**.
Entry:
**12:47**
